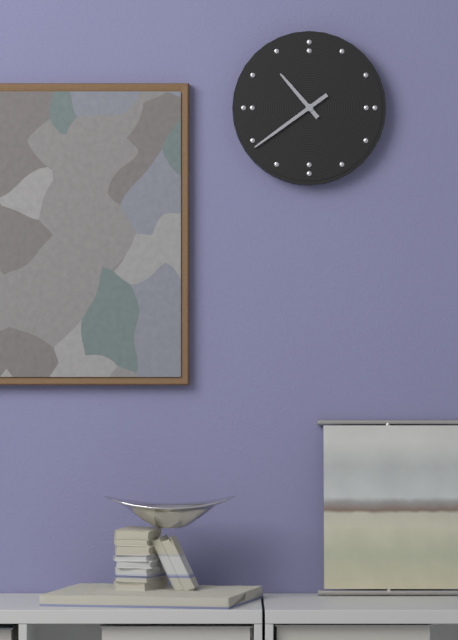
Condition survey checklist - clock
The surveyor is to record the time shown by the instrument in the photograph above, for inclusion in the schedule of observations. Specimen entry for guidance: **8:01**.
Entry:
**10:39**
